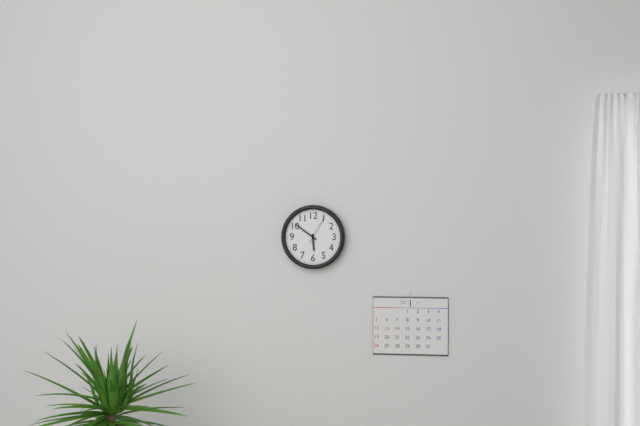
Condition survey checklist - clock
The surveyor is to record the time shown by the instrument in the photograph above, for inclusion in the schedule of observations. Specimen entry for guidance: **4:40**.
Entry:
**5:51**
